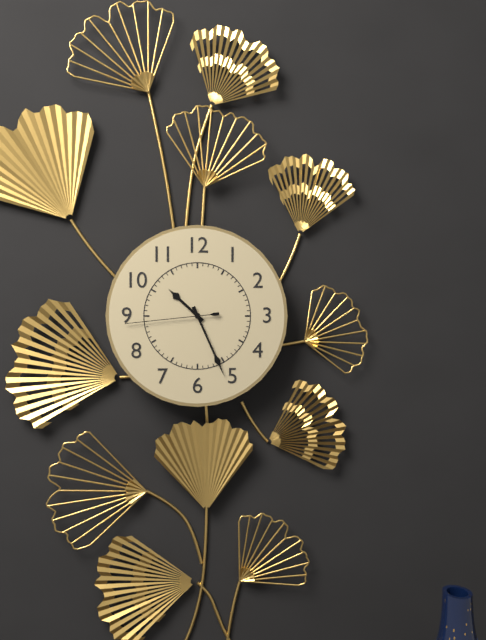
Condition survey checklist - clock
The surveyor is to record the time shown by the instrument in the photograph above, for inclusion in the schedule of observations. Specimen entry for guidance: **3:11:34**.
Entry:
**10:26:44**
